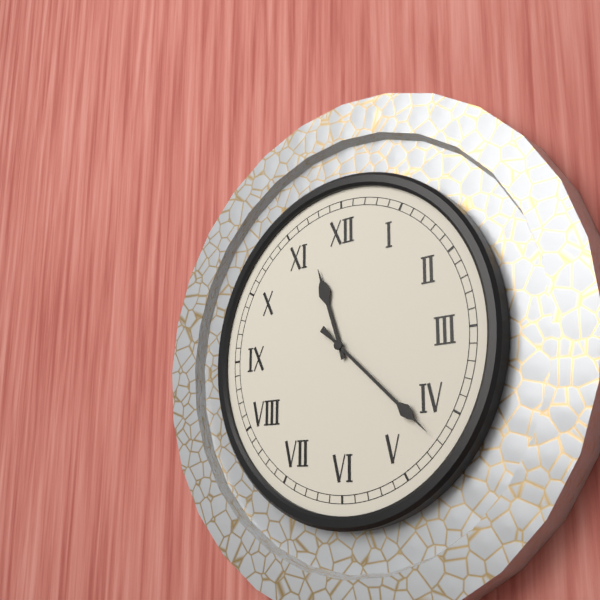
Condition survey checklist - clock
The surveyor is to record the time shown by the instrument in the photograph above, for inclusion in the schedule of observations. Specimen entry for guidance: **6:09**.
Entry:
**11:22**
